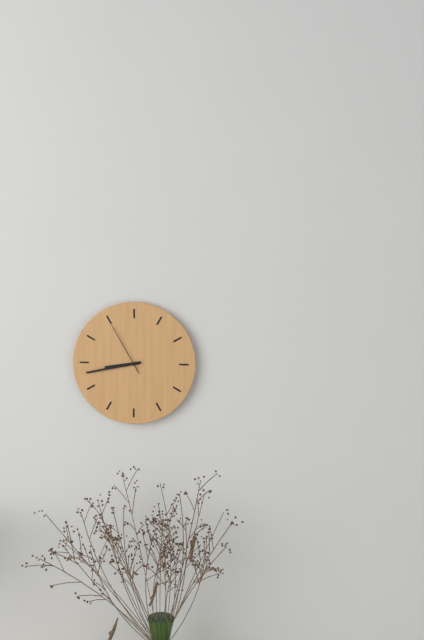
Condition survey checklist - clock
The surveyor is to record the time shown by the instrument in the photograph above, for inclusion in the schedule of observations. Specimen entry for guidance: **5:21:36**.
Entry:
**8:43:55**
